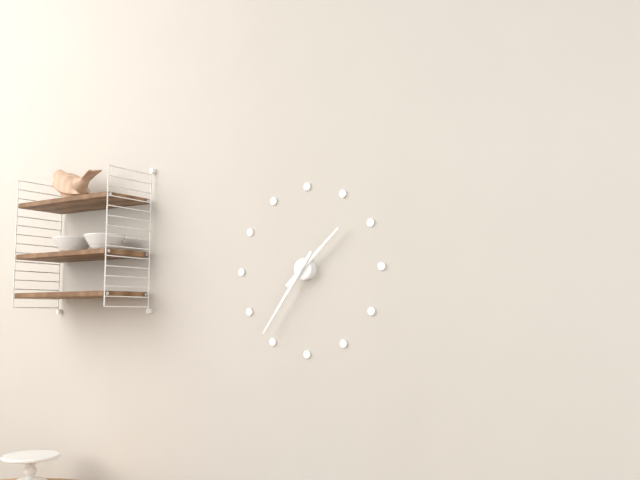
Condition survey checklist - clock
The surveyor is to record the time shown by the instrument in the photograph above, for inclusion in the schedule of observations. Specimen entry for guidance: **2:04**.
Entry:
**1:36**
